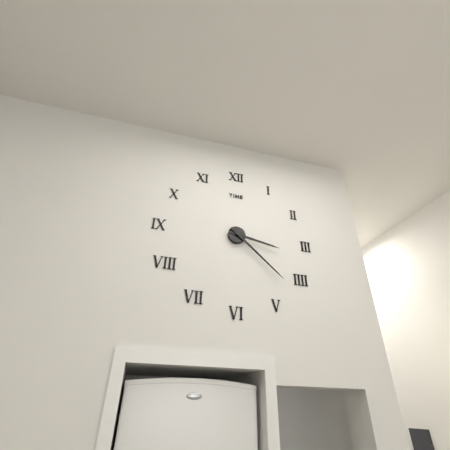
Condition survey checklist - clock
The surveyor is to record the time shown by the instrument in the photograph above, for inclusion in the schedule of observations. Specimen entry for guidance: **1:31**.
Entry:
**3:22**
